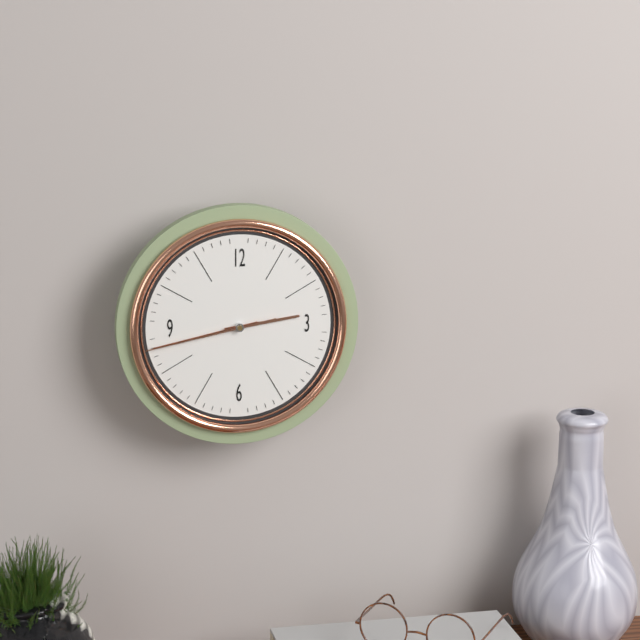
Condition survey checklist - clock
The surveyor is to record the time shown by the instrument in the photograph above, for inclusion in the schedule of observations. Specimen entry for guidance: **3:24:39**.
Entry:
**2:43:43**
